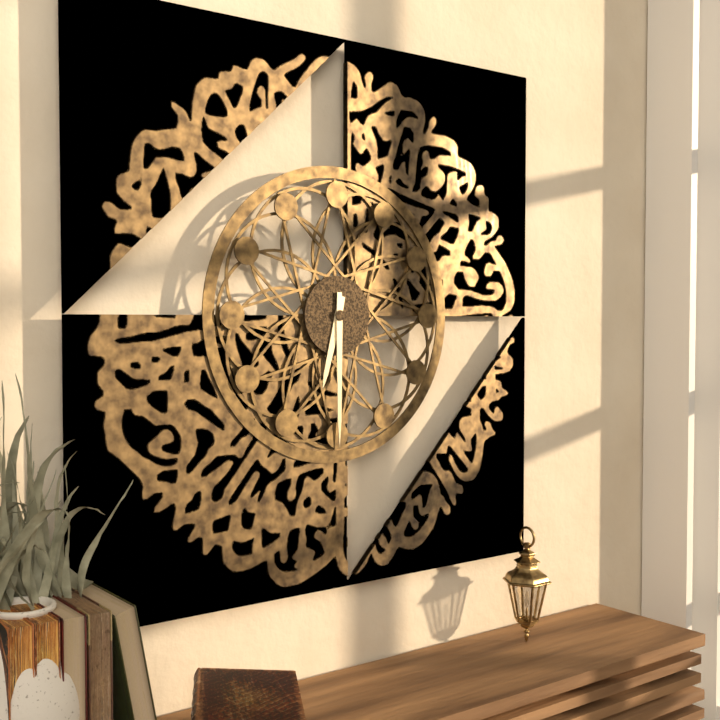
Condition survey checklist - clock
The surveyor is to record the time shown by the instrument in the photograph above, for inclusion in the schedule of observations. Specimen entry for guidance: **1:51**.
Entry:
**6:30**
